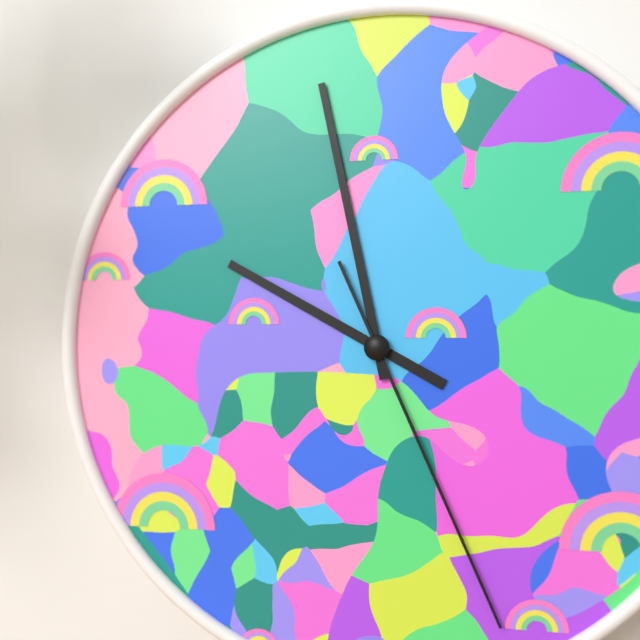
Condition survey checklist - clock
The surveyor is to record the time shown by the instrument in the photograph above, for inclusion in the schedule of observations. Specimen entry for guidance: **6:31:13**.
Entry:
**9:58:26**
